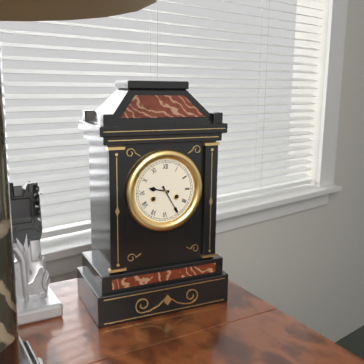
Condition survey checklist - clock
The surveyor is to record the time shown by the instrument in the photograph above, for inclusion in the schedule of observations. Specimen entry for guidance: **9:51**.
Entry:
**9:25**
